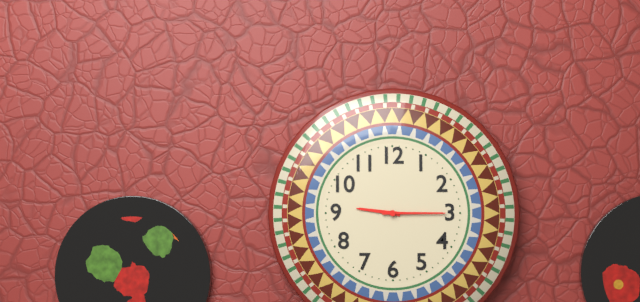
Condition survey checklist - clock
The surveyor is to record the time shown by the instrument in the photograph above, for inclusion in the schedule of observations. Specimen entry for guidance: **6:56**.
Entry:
**9:15**
